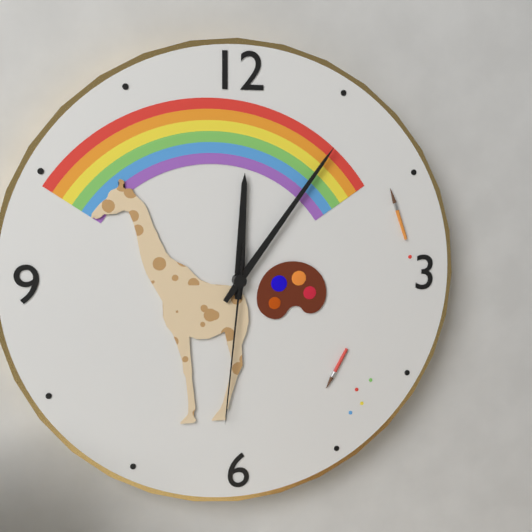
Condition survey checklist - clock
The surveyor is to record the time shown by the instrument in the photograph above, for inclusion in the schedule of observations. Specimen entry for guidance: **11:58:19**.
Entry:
**12:06:31**
